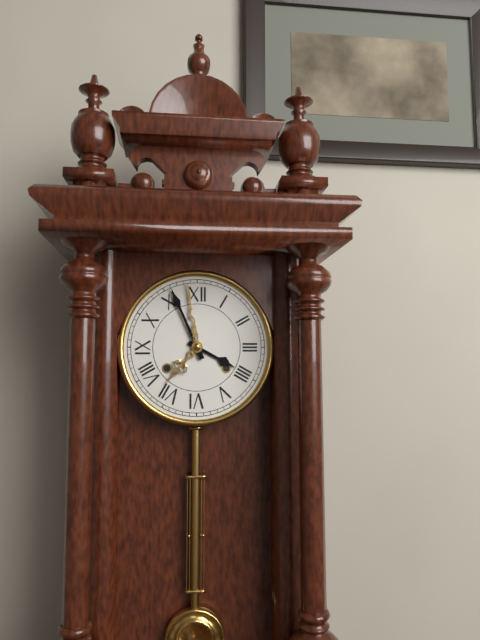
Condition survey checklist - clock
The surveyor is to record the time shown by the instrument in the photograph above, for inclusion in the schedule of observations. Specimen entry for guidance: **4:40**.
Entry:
**3:56**
